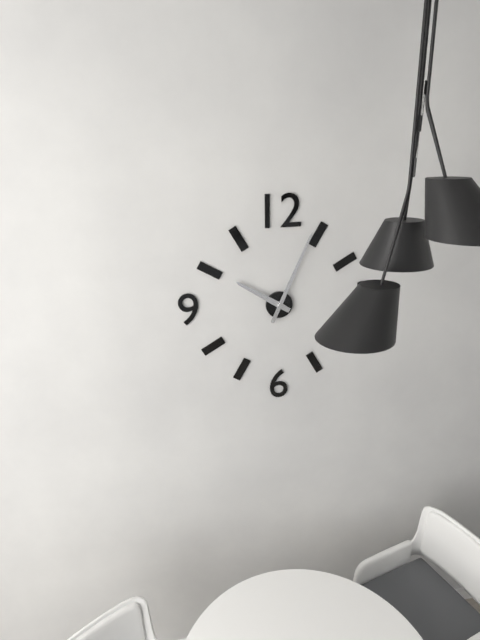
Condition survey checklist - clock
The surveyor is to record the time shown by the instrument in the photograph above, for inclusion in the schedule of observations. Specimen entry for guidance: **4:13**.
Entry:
**10:04**
